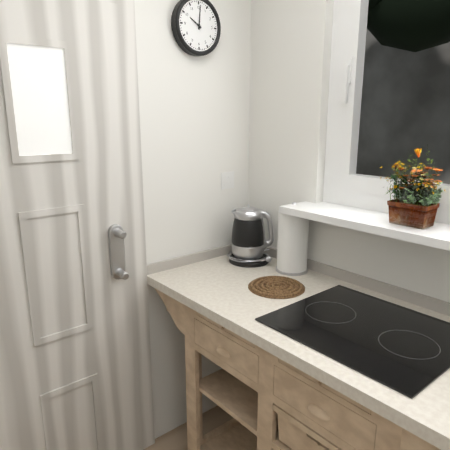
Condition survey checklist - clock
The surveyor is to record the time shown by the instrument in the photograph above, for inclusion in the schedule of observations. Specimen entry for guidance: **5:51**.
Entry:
**10:01**
